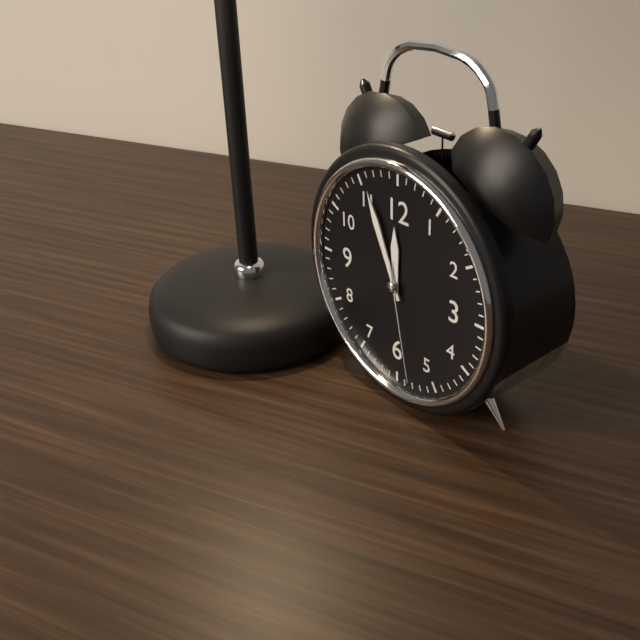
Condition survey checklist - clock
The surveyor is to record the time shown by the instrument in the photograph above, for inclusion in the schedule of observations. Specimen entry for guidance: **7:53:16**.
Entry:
**11:56:28**
